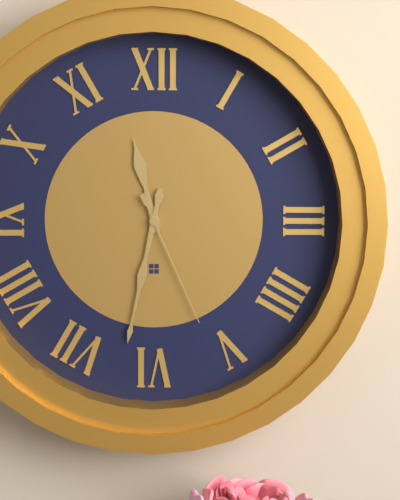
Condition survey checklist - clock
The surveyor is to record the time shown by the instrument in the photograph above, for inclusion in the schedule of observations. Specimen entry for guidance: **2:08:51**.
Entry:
**11:32:26**
